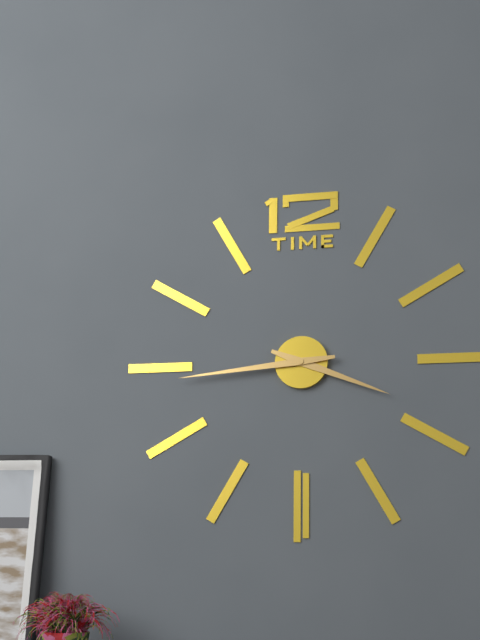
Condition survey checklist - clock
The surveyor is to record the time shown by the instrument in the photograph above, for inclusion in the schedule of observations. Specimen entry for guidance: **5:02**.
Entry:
**3:44**
